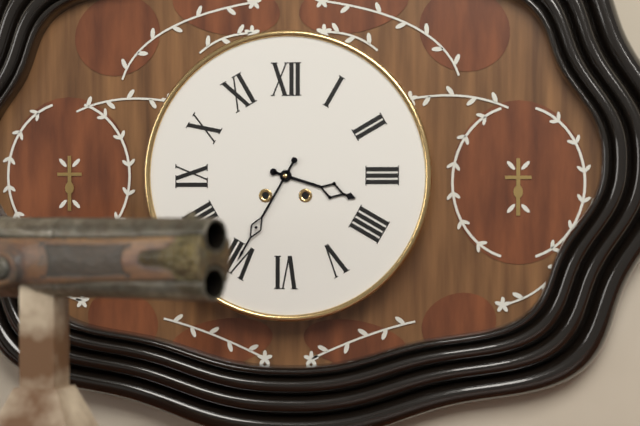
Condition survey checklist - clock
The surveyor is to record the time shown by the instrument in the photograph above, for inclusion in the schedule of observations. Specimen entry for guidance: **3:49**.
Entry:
**3:35**
